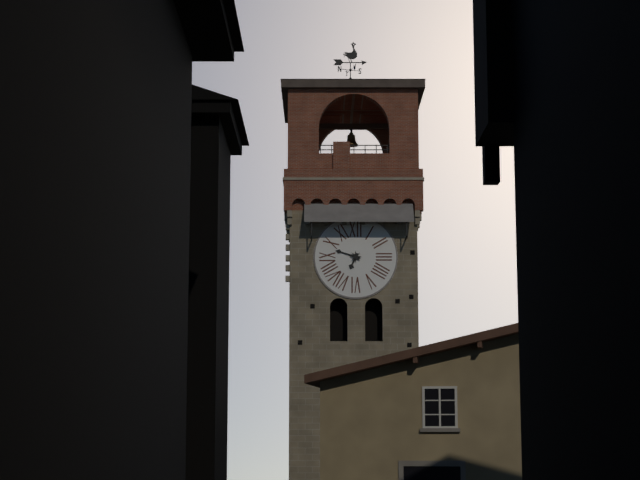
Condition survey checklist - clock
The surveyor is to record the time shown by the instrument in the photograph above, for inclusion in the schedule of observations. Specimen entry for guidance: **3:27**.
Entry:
**6:48**
